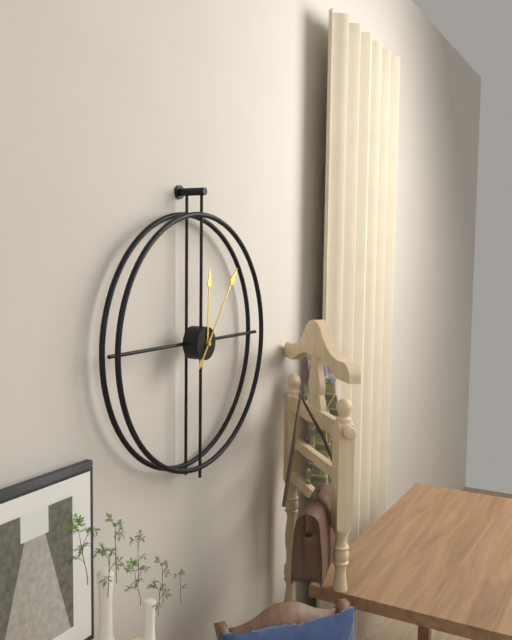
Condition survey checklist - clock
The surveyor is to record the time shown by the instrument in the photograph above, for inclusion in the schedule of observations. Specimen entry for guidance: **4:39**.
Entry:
**12:06**
